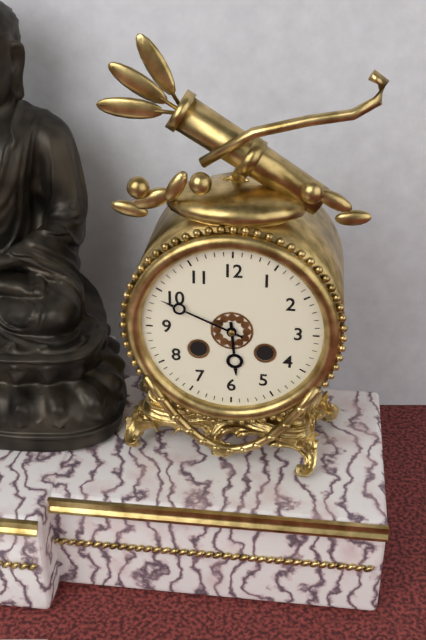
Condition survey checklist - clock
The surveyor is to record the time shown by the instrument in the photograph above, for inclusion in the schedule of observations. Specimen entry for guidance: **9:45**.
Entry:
**5:49**
